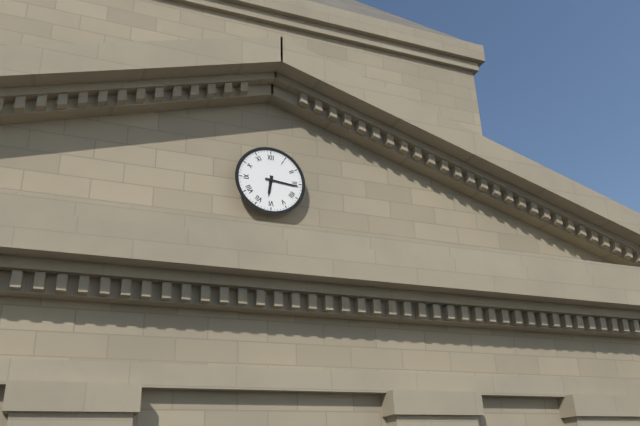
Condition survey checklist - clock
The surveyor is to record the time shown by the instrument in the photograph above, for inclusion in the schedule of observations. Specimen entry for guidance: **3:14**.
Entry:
**6:16**
